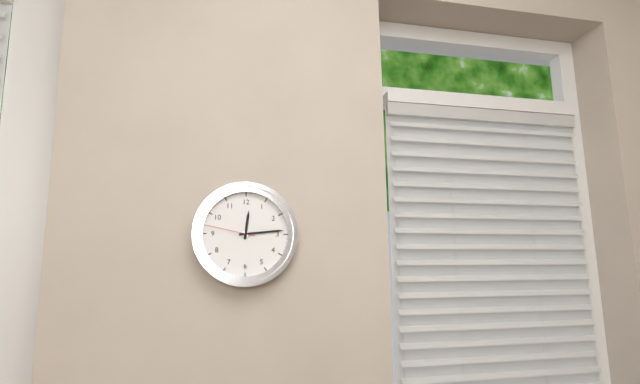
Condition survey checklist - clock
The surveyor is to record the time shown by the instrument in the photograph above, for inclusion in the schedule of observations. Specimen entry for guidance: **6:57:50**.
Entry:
**12:14:47**
